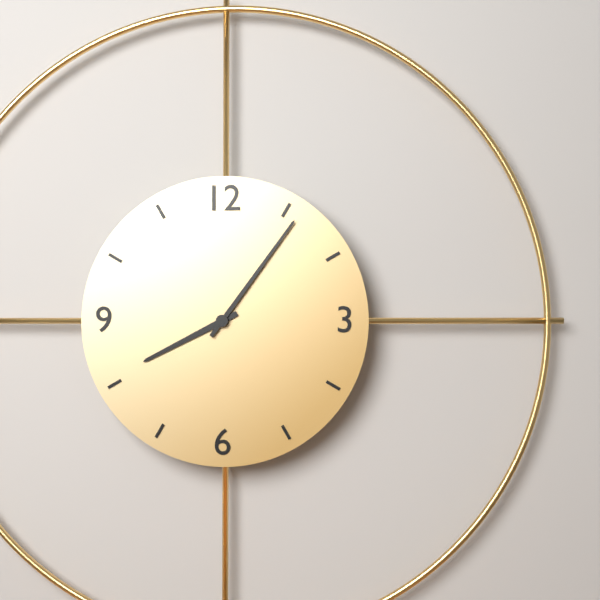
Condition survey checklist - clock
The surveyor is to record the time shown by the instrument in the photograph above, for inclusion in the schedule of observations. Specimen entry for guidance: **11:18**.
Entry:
**8:06**
